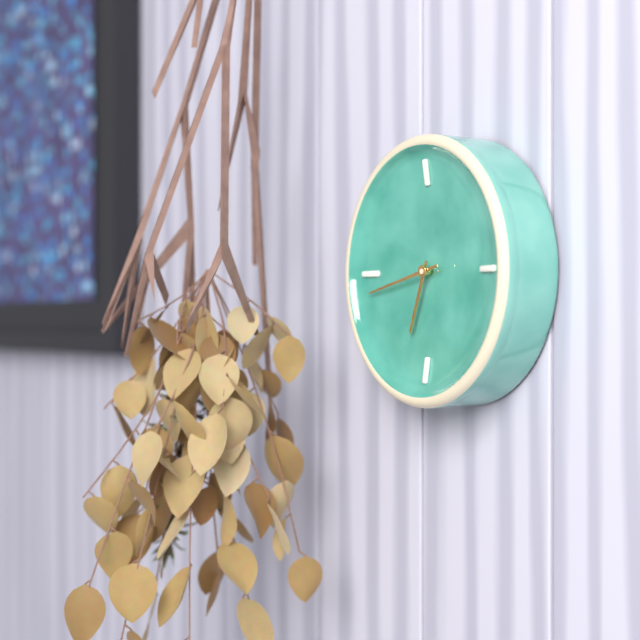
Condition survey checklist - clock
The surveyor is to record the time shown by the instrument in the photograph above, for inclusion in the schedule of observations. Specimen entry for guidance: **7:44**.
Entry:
**6:43**
